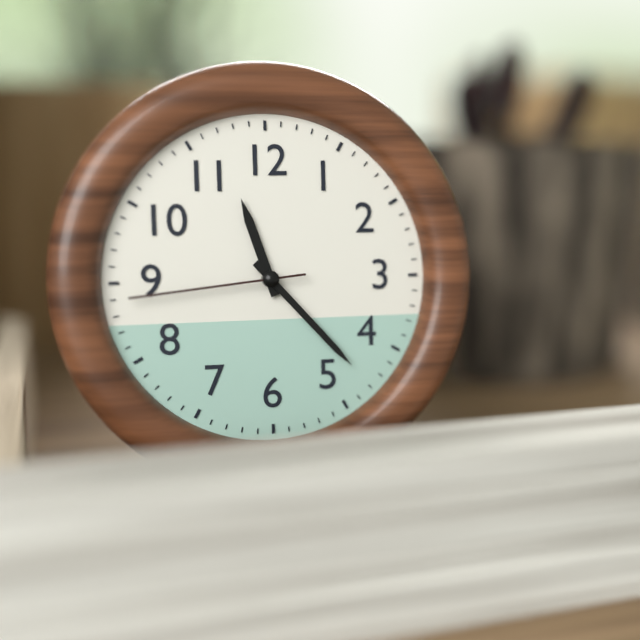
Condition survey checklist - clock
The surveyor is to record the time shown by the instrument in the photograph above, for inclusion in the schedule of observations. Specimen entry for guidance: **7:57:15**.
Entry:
**11:23:44**
